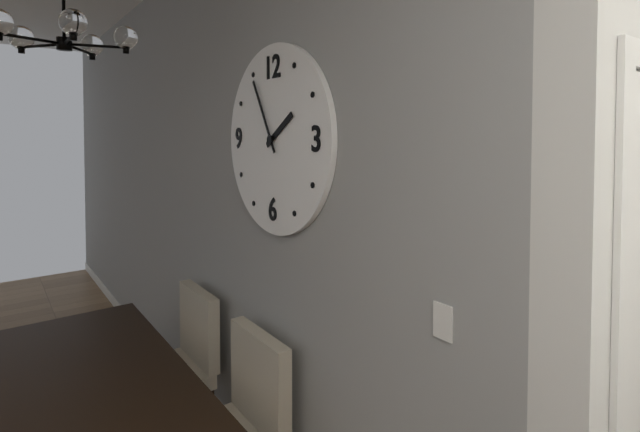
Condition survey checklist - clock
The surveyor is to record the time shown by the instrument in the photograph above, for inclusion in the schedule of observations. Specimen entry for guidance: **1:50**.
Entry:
**1:55**
